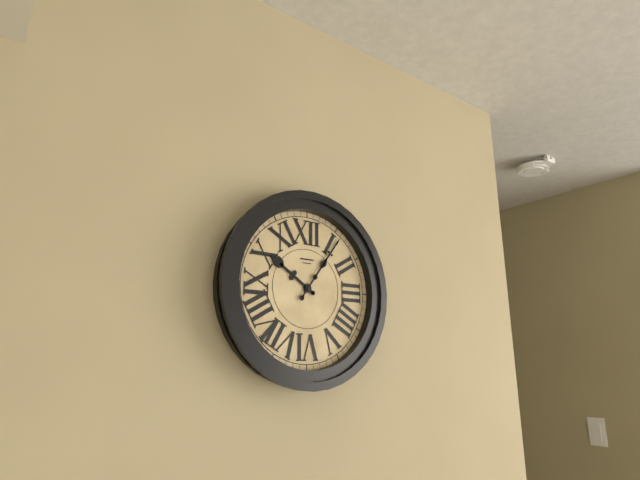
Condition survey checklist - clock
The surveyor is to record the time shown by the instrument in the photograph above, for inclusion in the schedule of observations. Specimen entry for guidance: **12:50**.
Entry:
**10:06**
